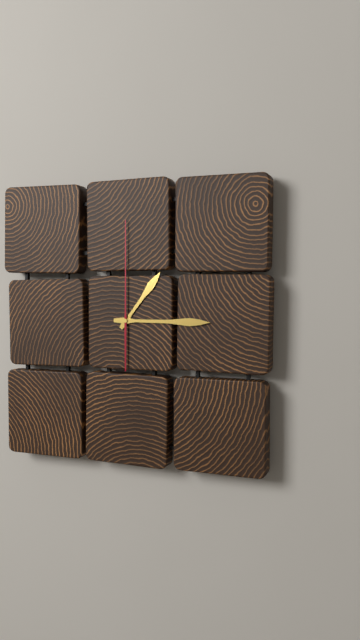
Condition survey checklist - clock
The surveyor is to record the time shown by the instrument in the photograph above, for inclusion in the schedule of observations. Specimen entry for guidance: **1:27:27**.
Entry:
**1:15:00**
